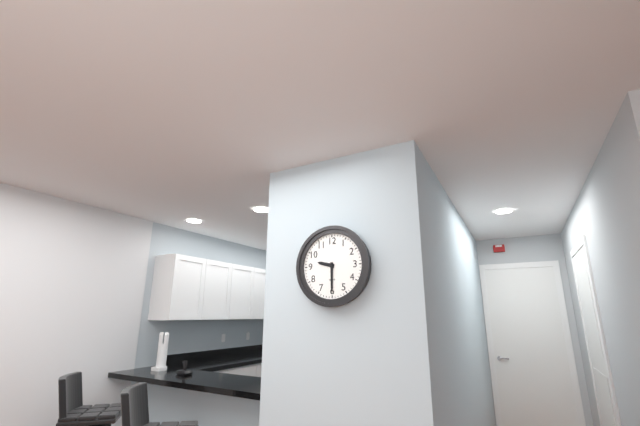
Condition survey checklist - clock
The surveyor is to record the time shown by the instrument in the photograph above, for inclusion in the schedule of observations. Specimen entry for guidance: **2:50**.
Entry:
**9:30**
